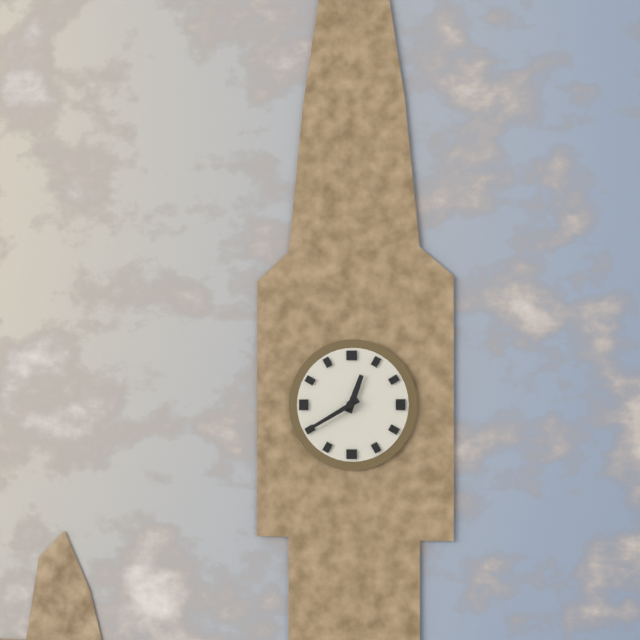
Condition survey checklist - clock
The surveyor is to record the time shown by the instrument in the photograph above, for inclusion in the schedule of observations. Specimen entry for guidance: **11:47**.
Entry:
**12:40**
